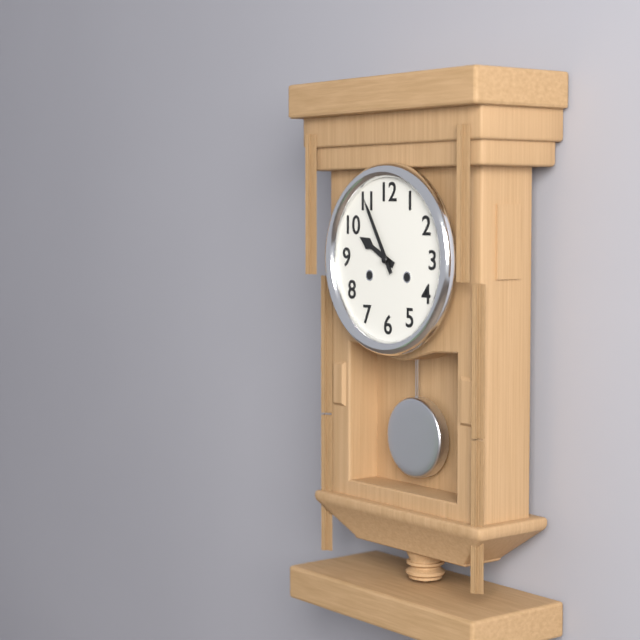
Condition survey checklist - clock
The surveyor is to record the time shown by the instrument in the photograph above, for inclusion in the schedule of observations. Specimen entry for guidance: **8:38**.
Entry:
**9:55**
